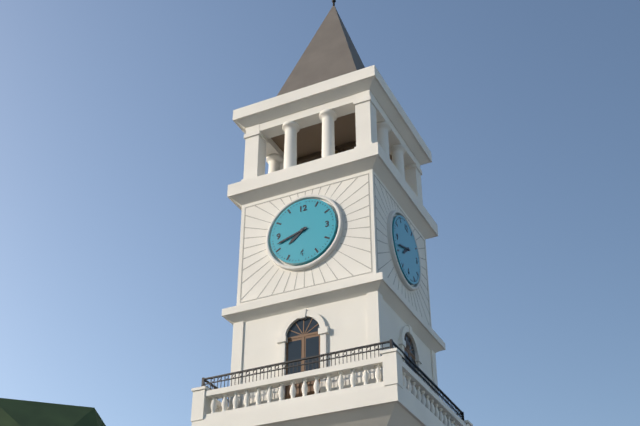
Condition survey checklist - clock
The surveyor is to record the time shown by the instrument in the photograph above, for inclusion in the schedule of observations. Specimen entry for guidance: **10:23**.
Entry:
**7:42**
